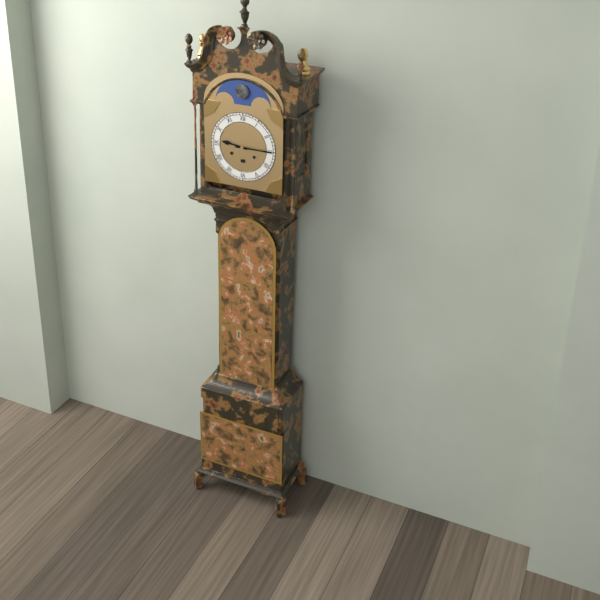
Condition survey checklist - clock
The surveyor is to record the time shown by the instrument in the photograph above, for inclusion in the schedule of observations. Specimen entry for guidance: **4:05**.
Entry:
**9:15**
